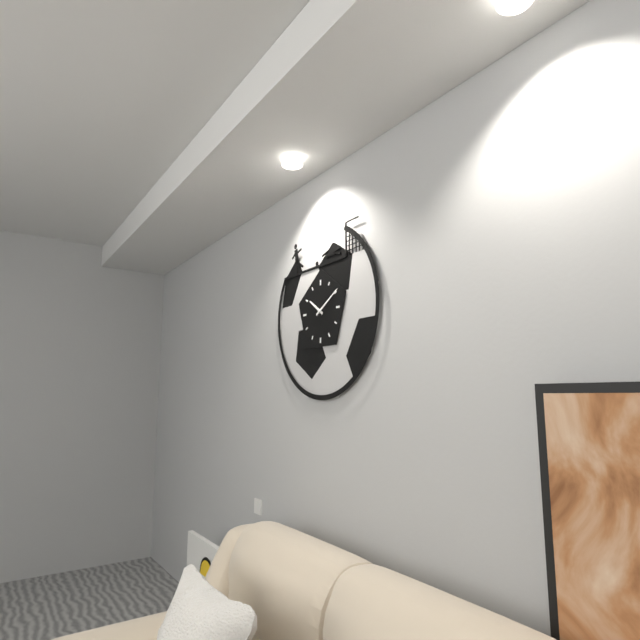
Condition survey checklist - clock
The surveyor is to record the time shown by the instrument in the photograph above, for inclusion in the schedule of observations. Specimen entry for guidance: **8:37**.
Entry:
**10:10**
